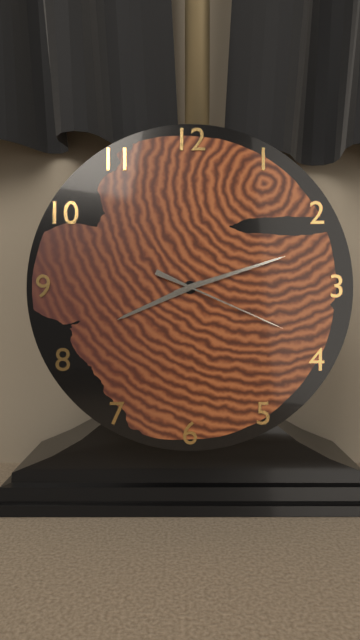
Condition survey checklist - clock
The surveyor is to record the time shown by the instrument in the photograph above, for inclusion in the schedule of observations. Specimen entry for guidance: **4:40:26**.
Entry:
**8:12:19**
